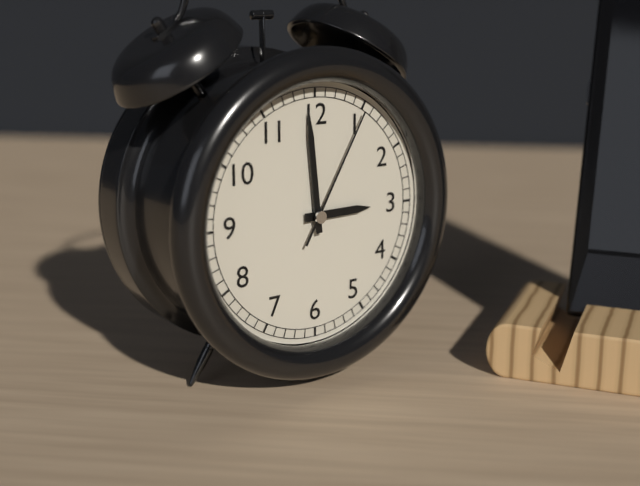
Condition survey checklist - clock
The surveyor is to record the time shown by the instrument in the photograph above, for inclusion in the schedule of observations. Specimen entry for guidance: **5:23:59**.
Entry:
**2:59:05**
